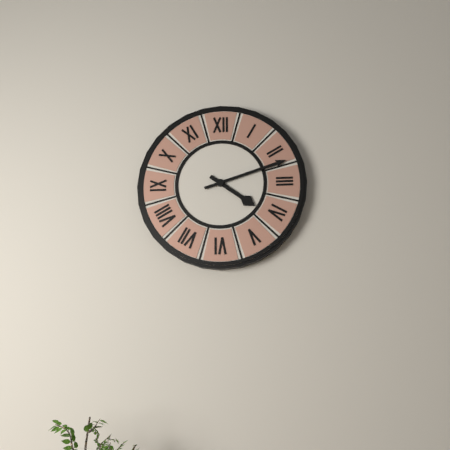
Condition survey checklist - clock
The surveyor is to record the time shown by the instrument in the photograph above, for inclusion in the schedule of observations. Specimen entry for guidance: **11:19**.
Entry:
**4:12**
